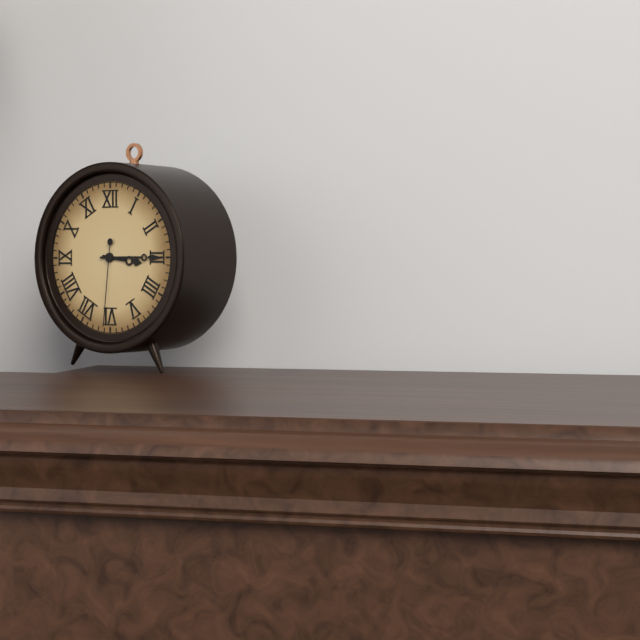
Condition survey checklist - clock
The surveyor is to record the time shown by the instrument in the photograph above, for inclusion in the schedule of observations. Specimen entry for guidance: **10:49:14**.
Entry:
**3:15:31**
